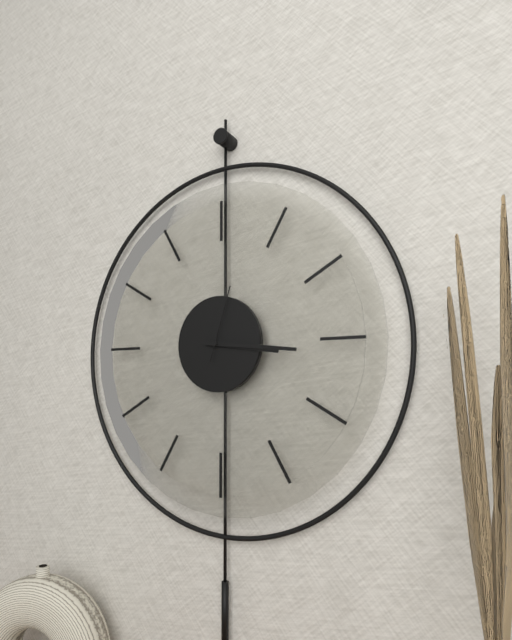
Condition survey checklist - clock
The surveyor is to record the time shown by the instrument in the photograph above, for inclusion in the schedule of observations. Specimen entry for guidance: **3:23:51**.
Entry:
**3:16:03**
